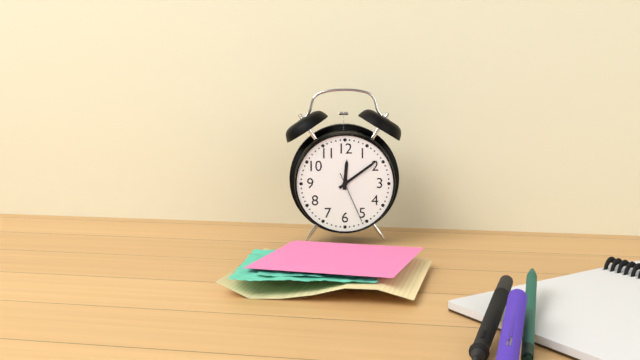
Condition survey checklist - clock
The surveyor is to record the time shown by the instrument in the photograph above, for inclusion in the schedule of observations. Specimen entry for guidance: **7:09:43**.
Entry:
**12:09:26**
